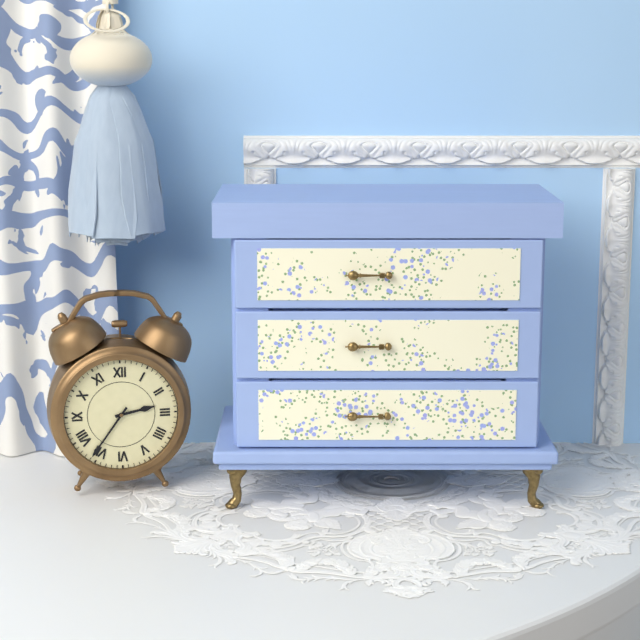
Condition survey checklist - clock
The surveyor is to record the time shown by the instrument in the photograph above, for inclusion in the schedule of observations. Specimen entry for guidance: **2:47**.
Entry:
**2:36**
